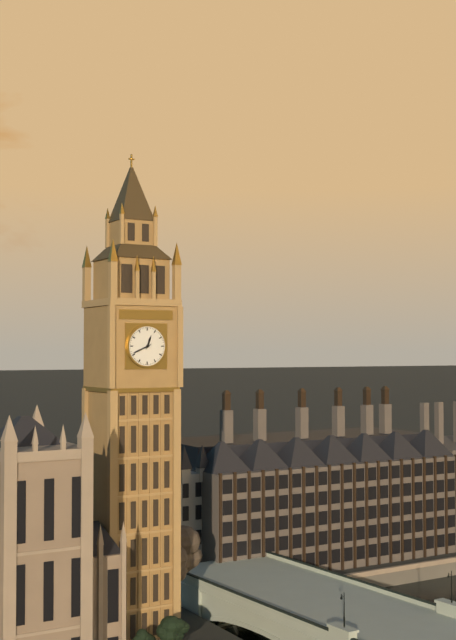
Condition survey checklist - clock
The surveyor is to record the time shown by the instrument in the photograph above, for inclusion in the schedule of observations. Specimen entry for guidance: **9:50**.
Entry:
**12:41**
